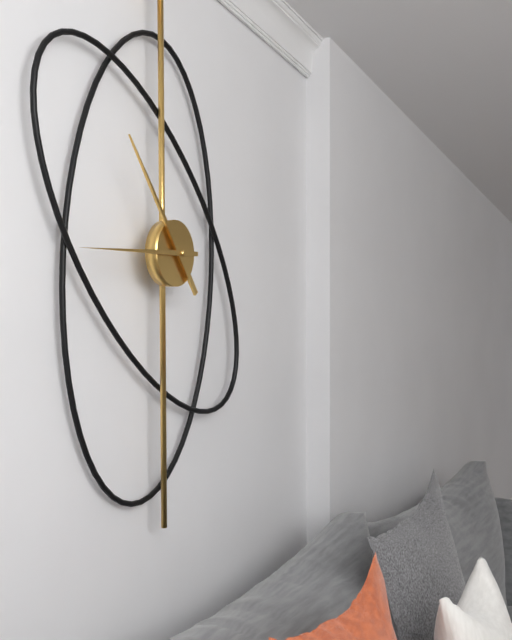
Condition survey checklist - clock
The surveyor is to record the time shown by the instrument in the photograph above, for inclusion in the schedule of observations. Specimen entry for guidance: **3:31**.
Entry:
**10:45**
